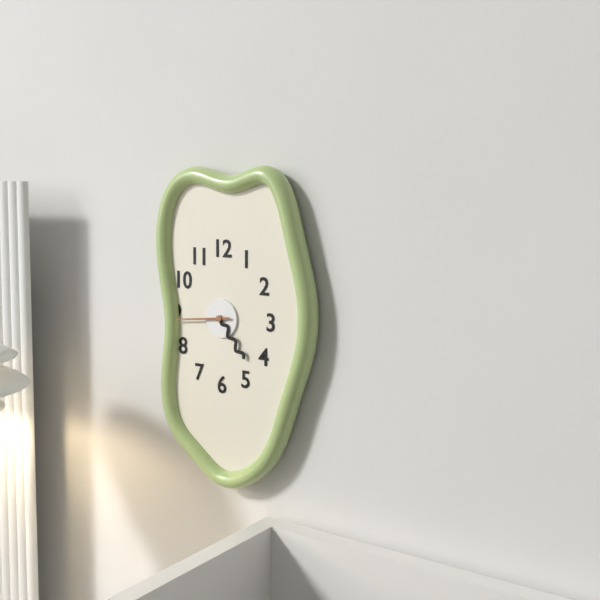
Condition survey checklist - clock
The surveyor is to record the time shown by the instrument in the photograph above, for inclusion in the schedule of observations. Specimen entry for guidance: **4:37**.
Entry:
**4:44**
